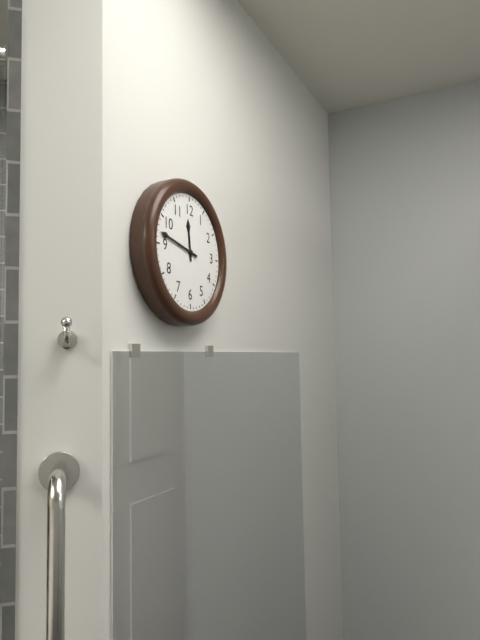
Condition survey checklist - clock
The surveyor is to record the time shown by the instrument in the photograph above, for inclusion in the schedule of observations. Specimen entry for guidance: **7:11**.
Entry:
**11:47**
